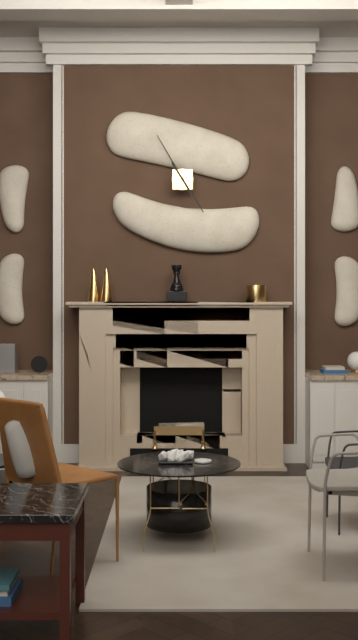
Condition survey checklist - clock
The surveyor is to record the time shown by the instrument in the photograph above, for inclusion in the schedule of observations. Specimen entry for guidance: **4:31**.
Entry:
**4:55**
